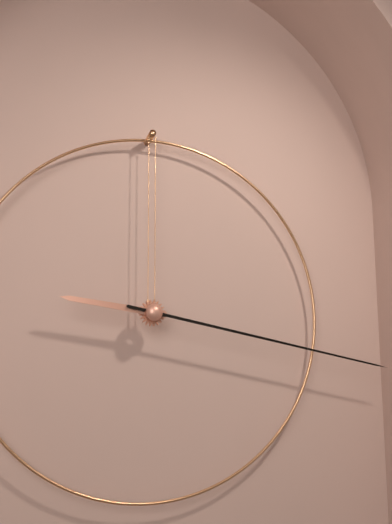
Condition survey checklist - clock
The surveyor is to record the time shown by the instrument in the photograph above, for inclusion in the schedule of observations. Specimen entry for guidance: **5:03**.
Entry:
**9:17**
